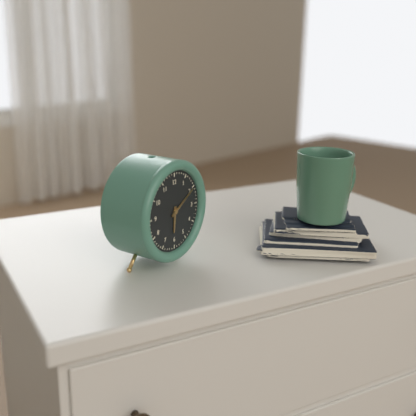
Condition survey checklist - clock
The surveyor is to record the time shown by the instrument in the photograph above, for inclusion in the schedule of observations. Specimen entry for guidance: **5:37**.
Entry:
**6:10**
